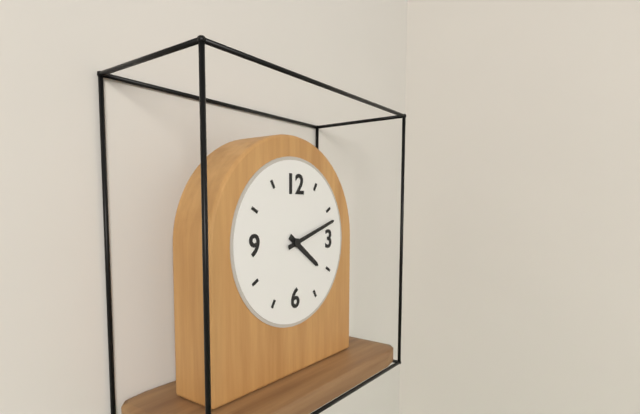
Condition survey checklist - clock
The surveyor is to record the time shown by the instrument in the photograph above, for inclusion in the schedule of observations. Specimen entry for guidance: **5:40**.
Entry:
**4:12**
